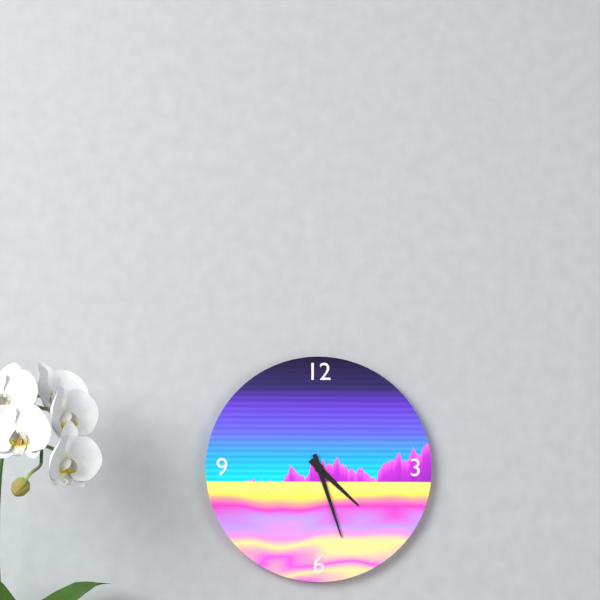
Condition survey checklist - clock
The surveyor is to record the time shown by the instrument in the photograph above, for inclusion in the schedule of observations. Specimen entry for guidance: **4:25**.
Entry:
**4:27**
